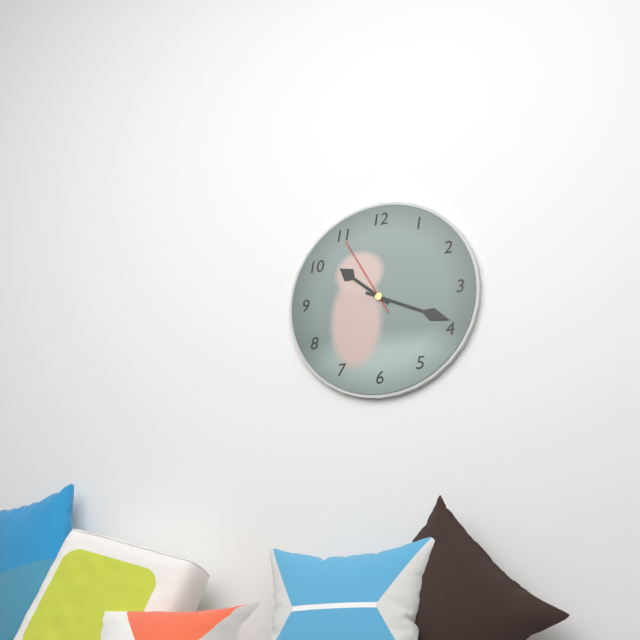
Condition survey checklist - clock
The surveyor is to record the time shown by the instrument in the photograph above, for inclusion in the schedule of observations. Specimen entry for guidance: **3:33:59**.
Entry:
**10:19:55**
